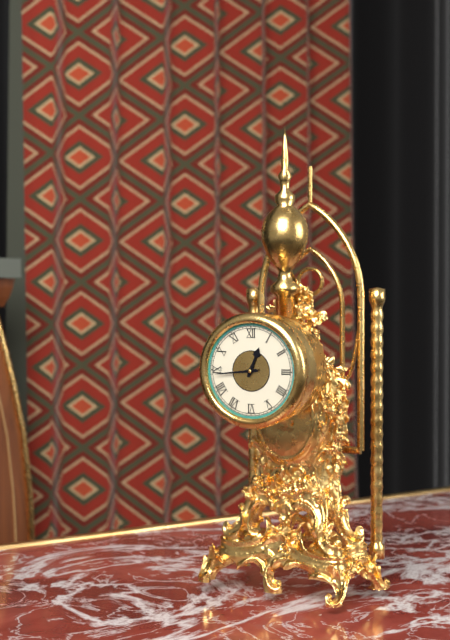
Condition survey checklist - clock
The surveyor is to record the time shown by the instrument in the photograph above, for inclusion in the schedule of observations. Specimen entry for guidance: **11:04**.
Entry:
**12:44**
